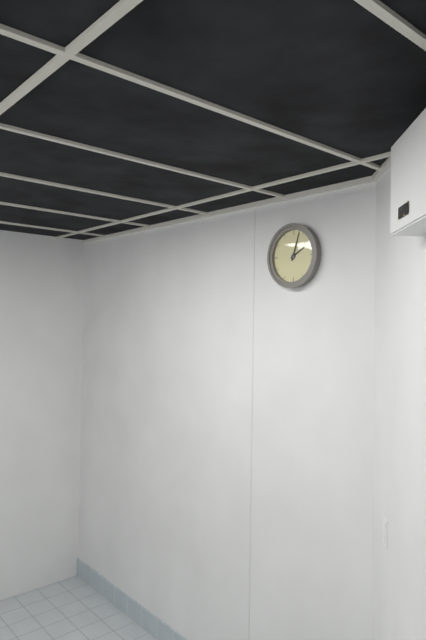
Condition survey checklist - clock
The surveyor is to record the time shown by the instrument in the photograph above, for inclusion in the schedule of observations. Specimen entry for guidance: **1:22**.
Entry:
**2:03**
